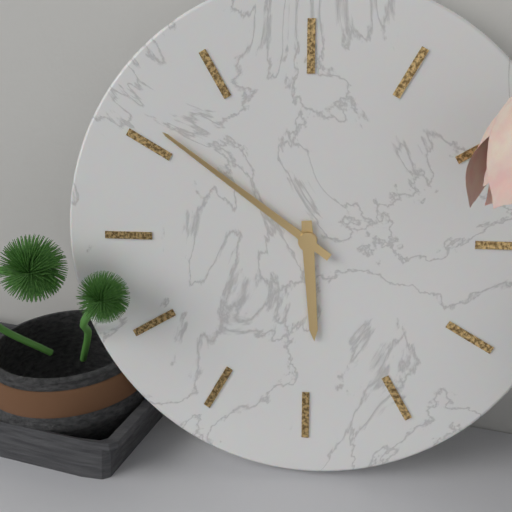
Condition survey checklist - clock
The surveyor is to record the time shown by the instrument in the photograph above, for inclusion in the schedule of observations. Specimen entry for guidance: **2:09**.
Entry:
**5:51**
